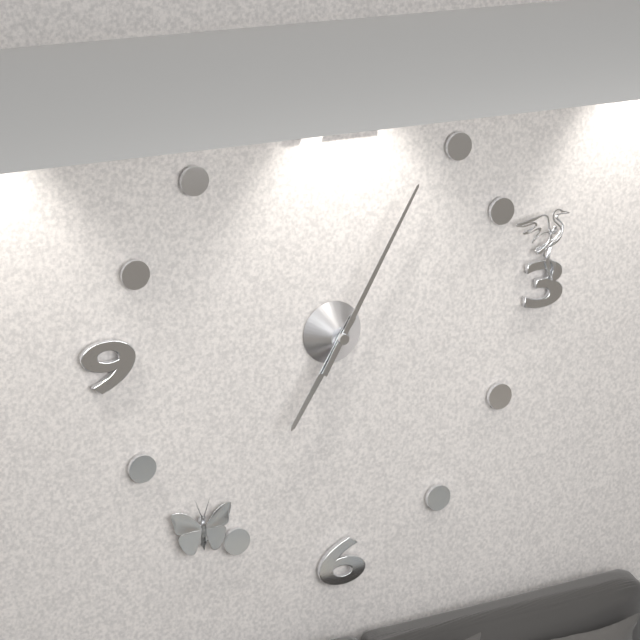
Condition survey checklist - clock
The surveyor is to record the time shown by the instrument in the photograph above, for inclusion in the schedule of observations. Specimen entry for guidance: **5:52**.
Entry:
**7:05**
